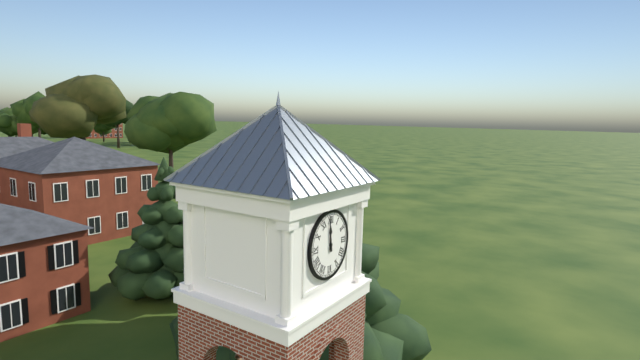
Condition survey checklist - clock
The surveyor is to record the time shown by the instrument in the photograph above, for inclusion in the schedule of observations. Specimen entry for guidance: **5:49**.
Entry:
**11:59**
